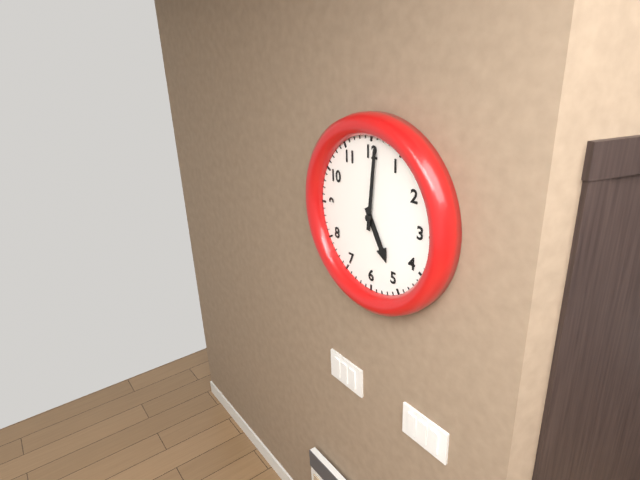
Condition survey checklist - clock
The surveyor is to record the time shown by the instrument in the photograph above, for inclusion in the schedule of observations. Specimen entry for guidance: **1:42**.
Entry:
**5:01**
